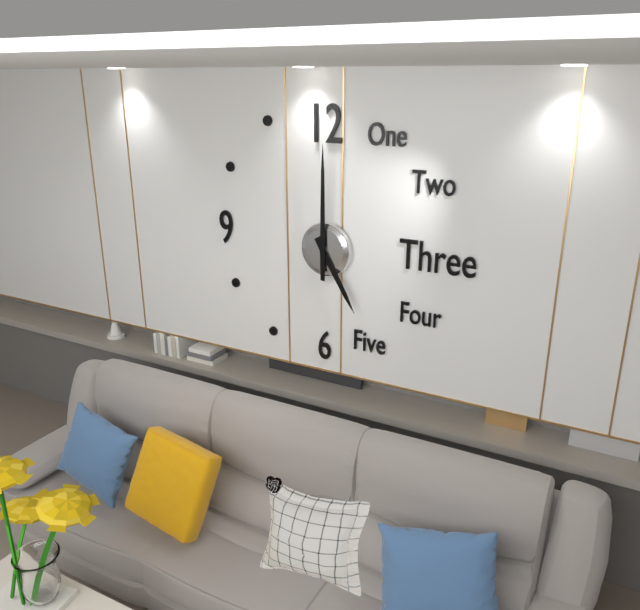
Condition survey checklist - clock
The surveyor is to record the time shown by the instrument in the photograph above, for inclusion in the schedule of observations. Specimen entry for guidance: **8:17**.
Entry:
**5:00**
